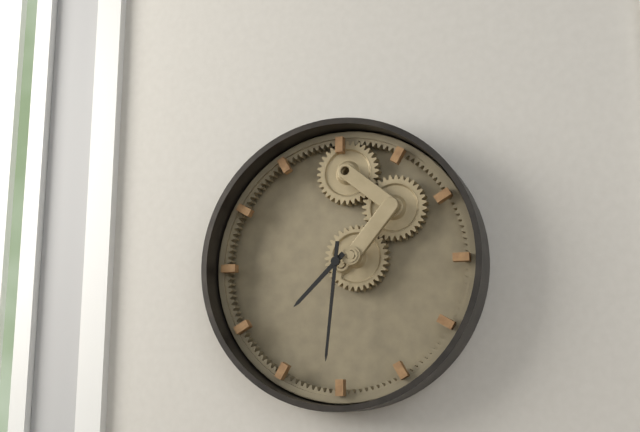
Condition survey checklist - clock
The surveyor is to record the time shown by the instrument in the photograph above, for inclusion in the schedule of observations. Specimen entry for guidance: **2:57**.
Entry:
**7:31**
